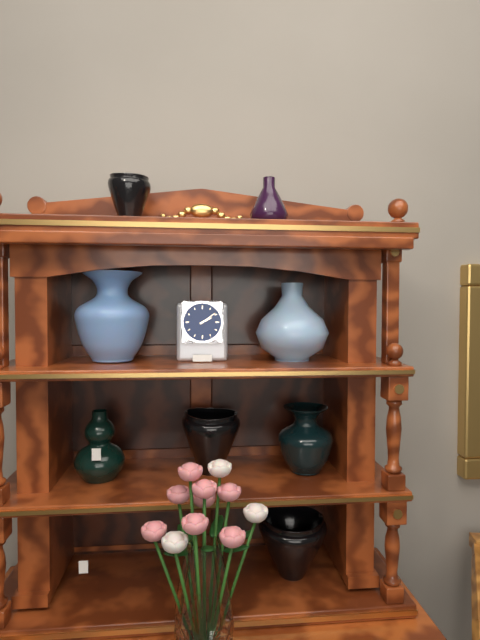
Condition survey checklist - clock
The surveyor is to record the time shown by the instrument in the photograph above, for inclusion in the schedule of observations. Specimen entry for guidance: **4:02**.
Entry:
**2:09**
